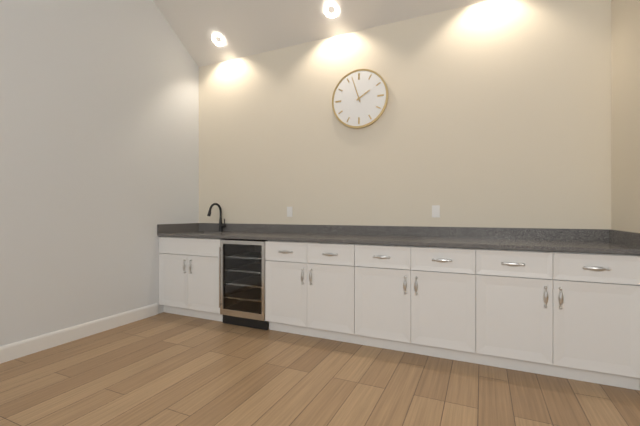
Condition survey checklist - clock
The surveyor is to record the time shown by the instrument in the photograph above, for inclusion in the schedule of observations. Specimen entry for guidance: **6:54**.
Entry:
**1:57**
